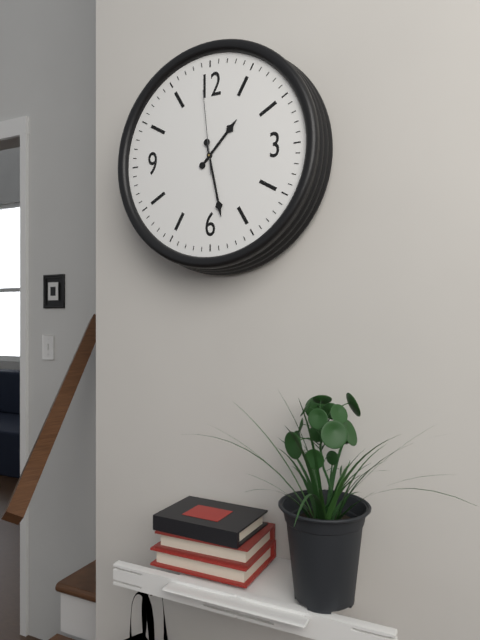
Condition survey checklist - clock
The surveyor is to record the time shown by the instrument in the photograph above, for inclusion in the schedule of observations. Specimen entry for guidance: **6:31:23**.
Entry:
**1:28:59**
